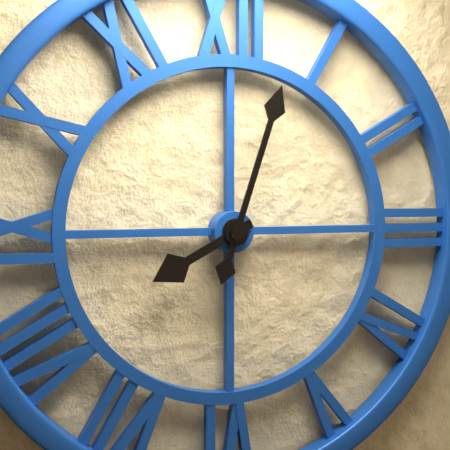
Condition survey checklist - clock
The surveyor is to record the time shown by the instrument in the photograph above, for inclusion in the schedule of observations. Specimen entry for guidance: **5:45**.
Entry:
**8:03**
